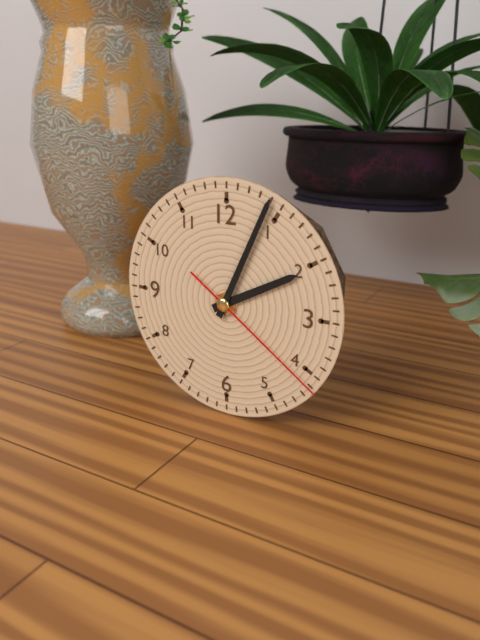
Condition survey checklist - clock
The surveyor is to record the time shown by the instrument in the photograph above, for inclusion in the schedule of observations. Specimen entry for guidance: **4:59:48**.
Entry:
**2:04:21**
